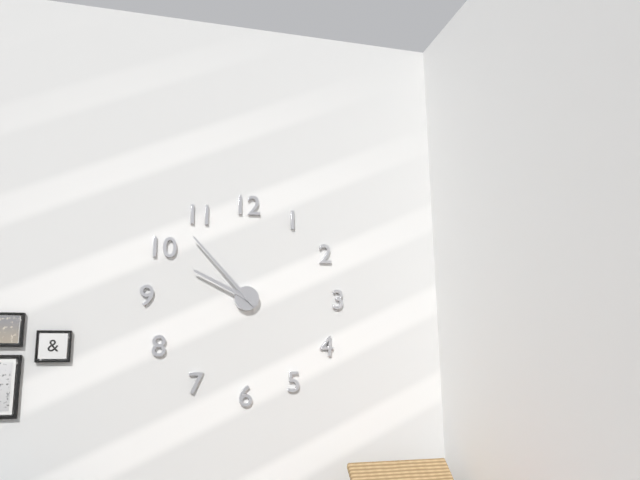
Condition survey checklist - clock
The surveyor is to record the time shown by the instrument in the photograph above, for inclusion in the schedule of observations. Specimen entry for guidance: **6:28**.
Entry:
**9:53**
